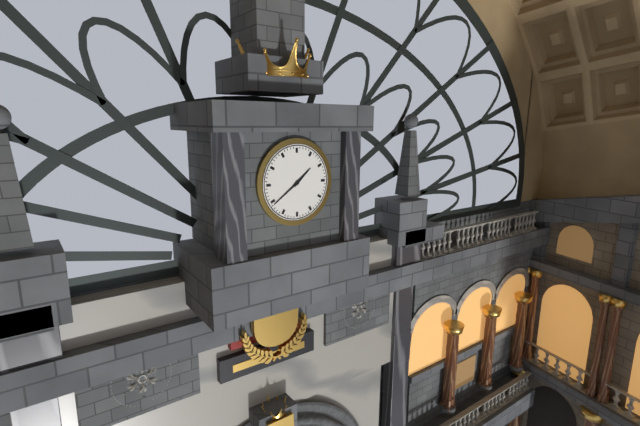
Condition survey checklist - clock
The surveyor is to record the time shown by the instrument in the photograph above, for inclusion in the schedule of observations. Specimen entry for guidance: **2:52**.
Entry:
**1:39**
